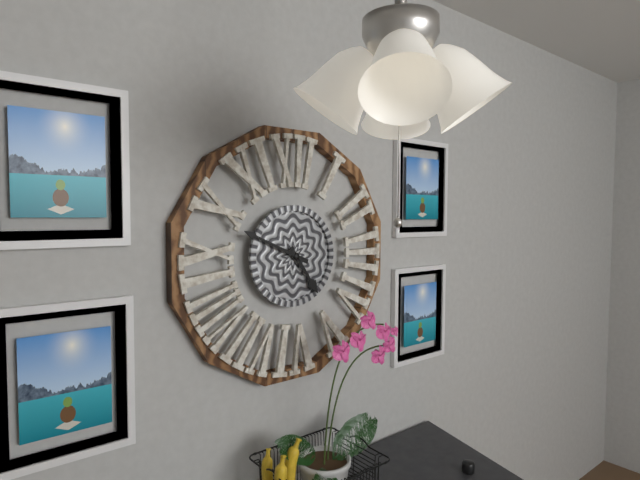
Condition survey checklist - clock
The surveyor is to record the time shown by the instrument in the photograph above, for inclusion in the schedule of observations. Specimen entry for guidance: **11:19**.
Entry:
**4:49**
